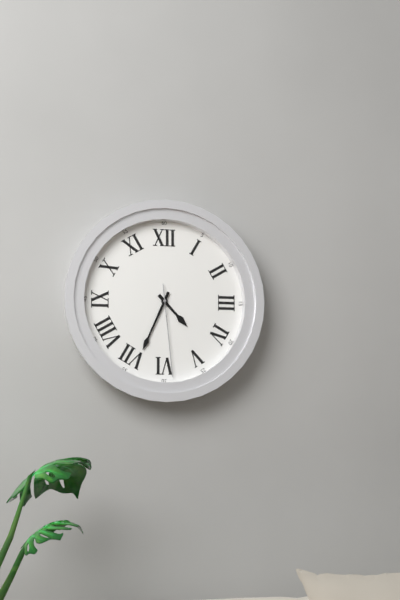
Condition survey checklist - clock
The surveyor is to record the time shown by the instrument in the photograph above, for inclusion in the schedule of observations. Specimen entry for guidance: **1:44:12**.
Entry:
**4:34:29**
